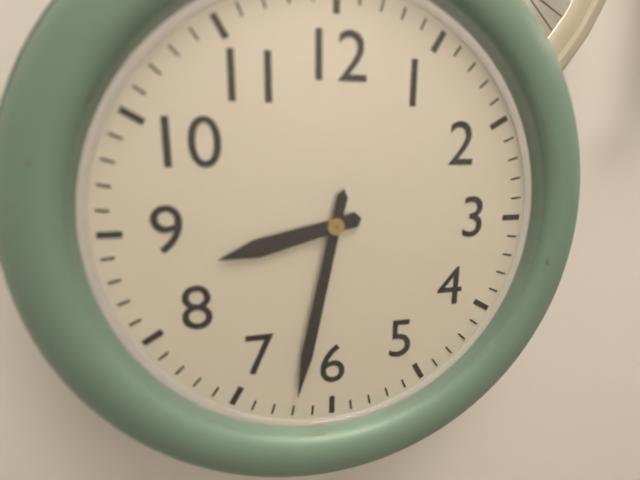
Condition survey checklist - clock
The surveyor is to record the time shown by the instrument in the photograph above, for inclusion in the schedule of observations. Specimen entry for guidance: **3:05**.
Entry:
**8:32**
